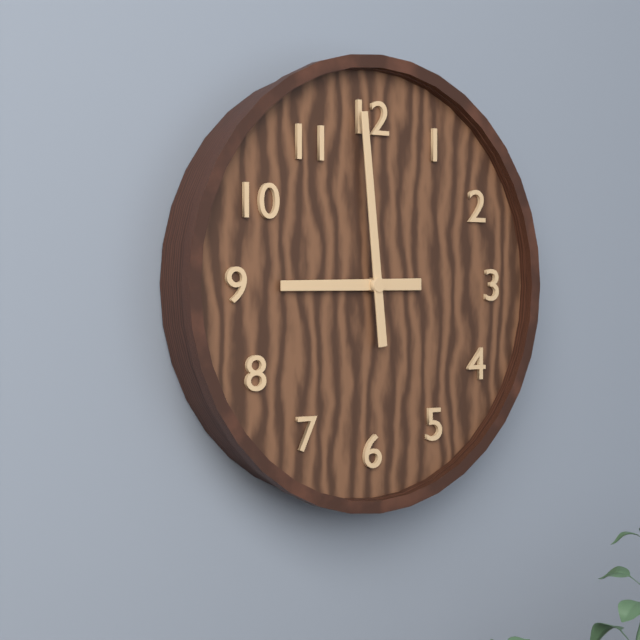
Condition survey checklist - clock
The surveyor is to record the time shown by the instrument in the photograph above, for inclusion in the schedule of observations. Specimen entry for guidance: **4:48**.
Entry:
**8:59**
